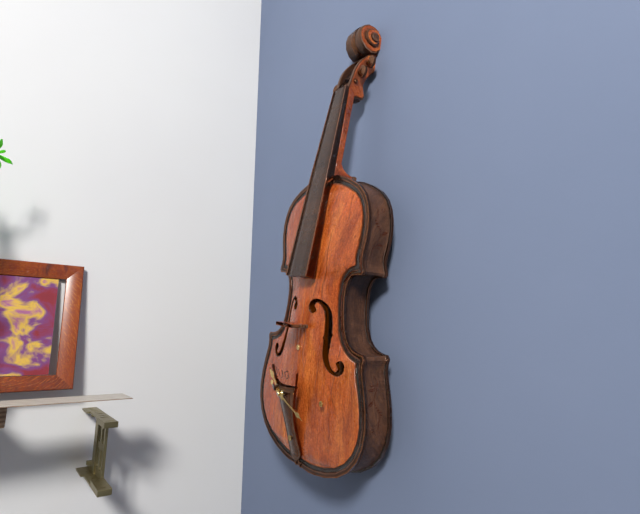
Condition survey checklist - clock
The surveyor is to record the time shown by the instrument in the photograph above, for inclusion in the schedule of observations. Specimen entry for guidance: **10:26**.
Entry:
**10:18**
